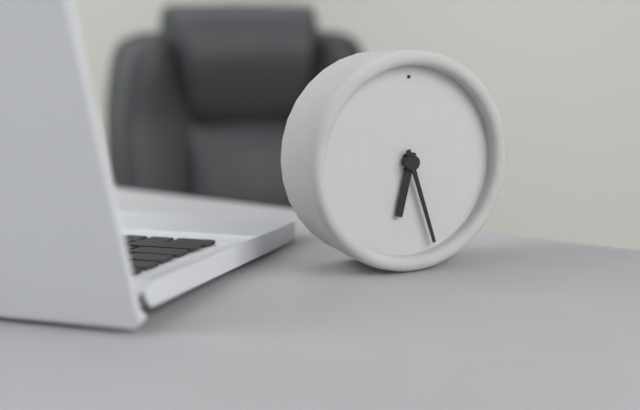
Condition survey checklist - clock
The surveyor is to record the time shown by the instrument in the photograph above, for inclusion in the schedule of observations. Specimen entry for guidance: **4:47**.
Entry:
**6:27**
